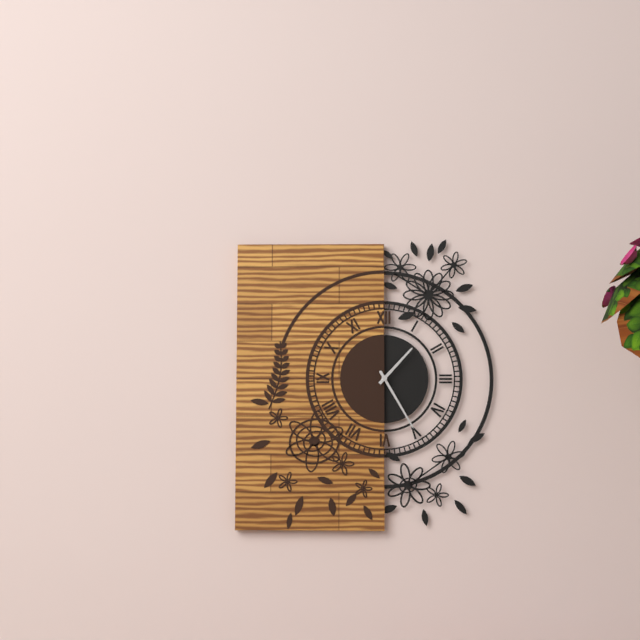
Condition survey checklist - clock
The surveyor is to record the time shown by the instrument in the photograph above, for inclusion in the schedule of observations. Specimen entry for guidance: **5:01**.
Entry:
**1:25**
